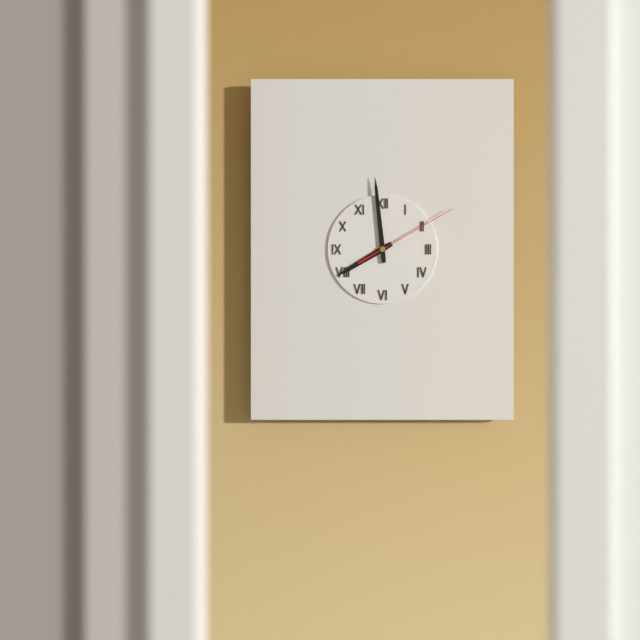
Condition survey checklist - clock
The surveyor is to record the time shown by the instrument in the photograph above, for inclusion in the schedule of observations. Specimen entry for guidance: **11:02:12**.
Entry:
**7:59:10**
